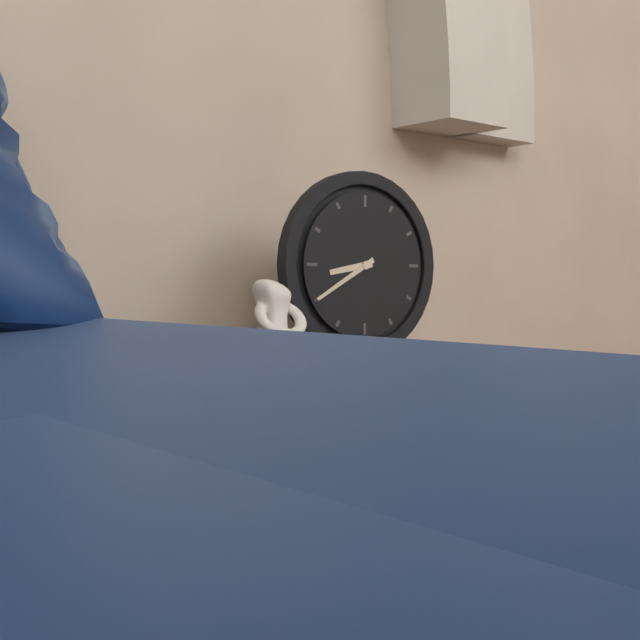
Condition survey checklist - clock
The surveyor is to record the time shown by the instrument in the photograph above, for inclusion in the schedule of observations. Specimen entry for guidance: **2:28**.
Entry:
**8:40**
